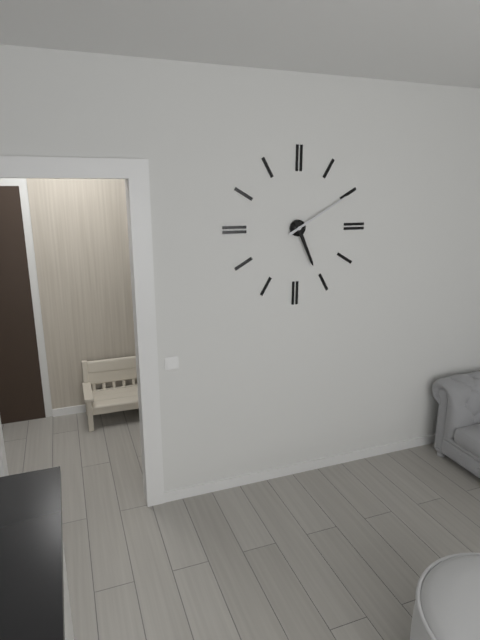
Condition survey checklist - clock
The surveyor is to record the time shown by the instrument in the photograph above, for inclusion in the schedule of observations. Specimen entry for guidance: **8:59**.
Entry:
**5:10**
